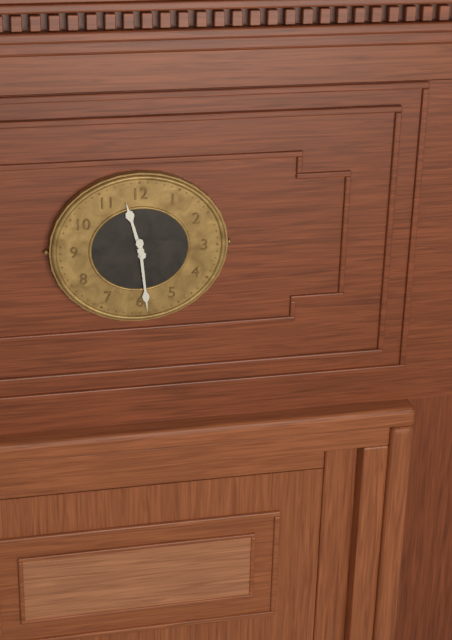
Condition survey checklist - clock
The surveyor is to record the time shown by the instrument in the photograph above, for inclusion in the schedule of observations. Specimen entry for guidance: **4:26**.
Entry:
**11:29**
